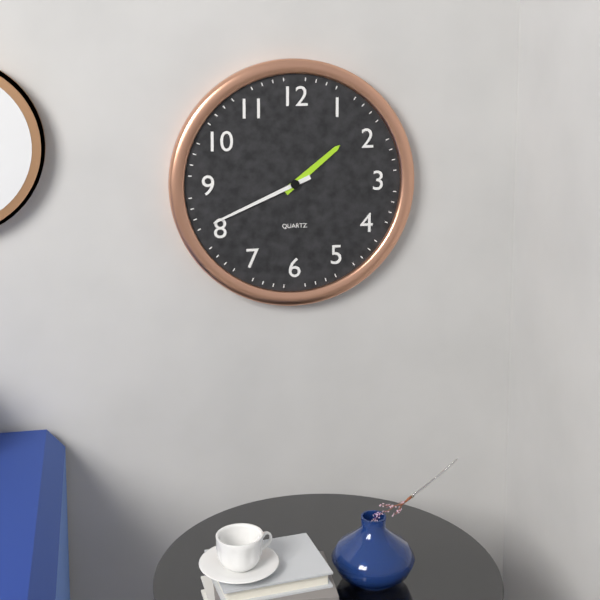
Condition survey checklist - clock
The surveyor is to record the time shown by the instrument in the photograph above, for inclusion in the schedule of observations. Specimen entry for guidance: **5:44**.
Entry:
**1:41**
